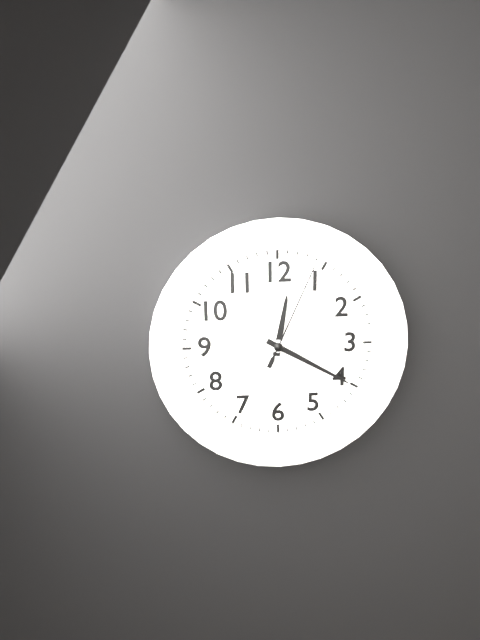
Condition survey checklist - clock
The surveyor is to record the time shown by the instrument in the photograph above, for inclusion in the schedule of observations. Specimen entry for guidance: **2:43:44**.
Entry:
**12:20:04**
